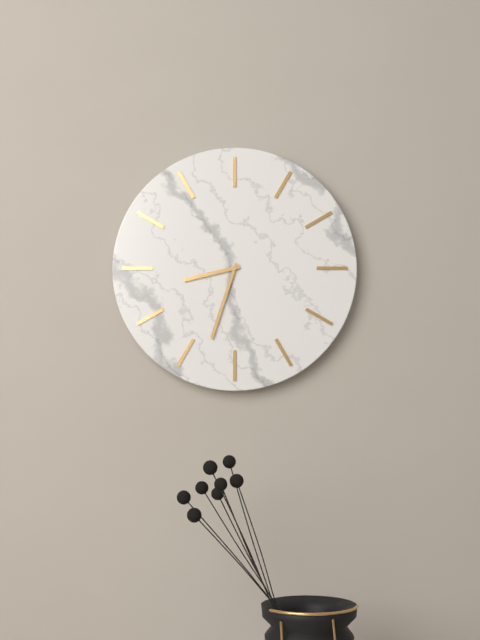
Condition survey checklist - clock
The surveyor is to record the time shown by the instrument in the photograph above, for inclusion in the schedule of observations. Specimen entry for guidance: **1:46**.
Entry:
**8:33**
